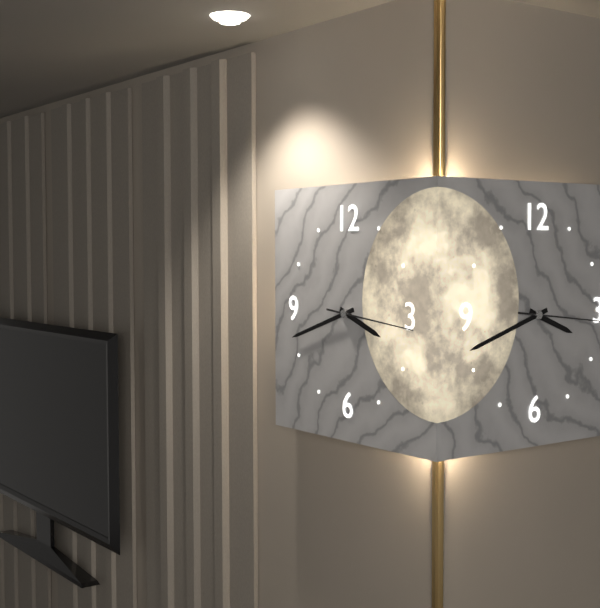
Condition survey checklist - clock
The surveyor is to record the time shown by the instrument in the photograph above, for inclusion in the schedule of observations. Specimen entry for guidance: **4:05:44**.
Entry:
**3:42:16**
